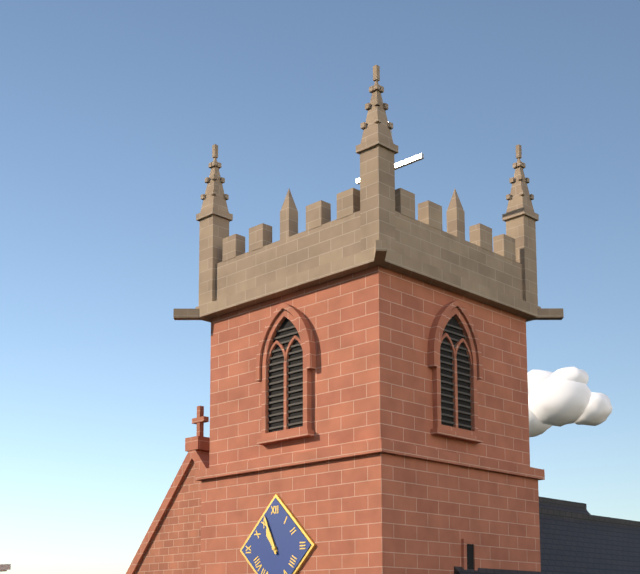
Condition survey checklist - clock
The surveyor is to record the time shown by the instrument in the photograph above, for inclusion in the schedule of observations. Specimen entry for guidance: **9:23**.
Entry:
**10:56**
